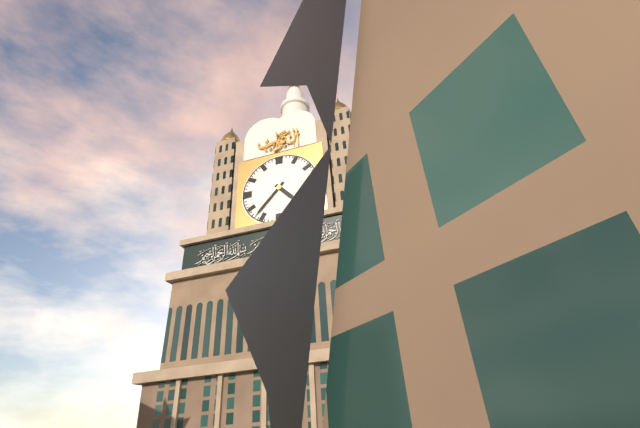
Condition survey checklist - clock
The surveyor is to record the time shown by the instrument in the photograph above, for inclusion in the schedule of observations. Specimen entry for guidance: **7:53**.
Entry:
**4:37**
